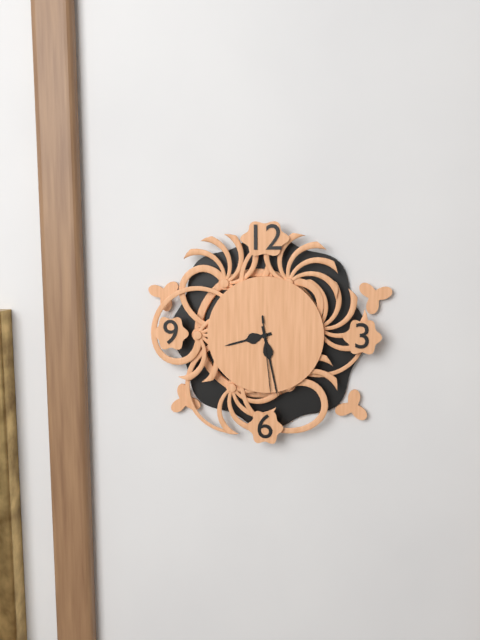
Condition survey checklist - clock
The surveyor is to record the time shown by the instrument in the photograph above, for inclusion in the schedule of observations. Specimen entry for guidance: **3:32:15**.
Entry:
**8:28:29**
